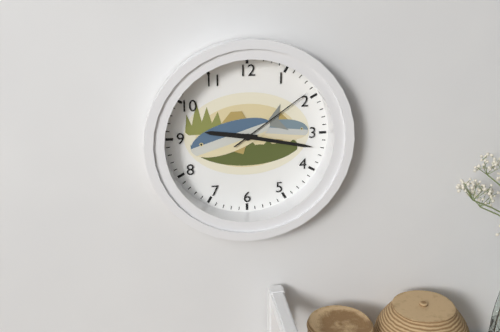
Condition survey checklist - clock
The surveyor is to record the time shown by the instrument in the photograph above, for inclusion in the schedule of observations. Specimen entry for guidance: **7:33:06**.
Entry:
**9:17:09**
